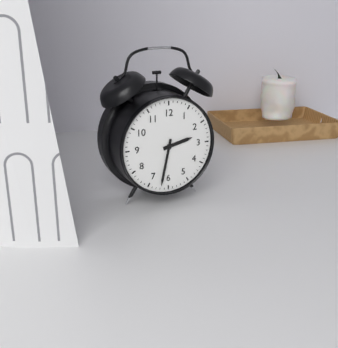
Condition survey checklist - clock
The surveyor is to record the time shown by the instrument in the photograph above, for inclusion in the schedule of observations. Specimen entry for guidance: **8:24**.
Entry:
**2:32**
